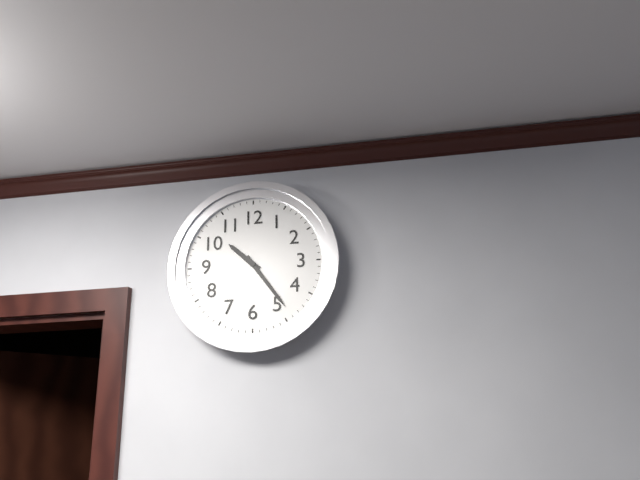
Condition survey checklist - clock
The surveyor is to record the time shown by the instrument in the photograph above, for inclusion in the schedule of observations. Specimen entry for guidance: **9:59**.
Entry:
**10:24**
